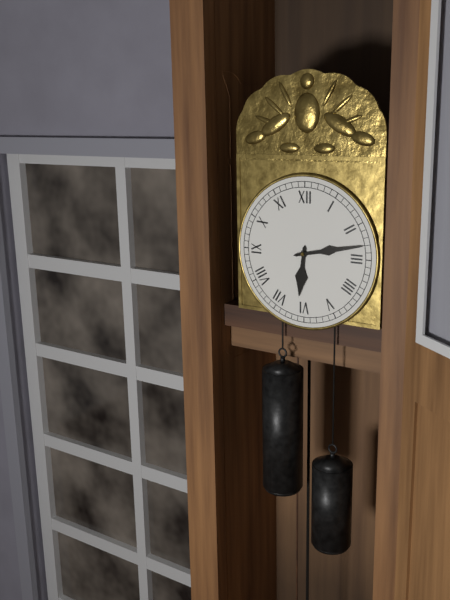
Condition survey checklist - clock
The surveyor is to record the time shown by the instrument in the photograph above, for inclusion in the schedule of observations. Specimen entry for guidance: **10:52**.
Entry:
**6:13**
